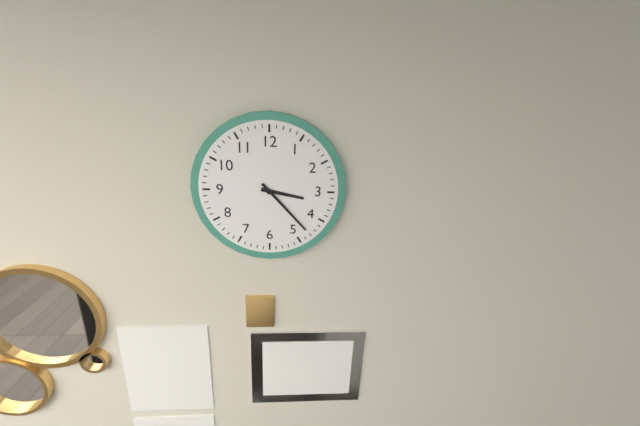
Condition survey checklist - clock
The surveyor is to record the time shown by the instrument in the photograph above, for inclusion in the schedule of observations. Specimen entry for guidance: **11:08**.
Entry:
**3:23**
